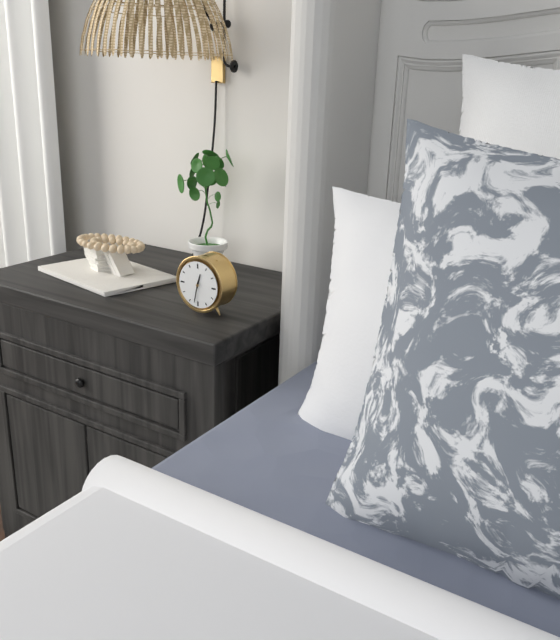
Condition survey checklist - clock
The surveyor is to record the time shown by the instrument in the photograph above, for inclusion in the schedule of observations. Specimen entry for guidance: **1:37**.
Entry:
**12:32**
